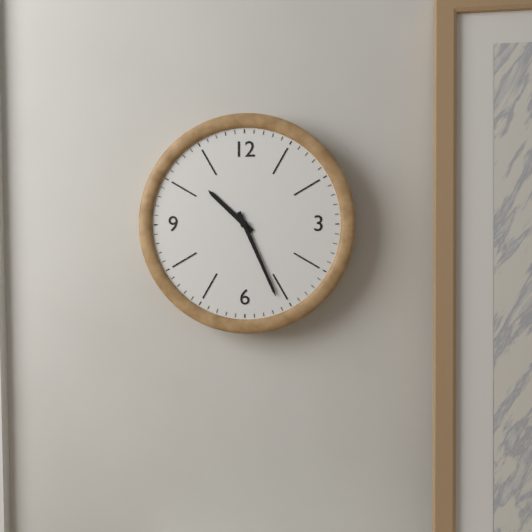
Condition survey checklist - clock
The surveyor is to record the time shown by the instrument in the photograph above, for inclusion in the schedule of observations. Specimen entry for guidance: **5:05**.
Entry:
**10:26**
